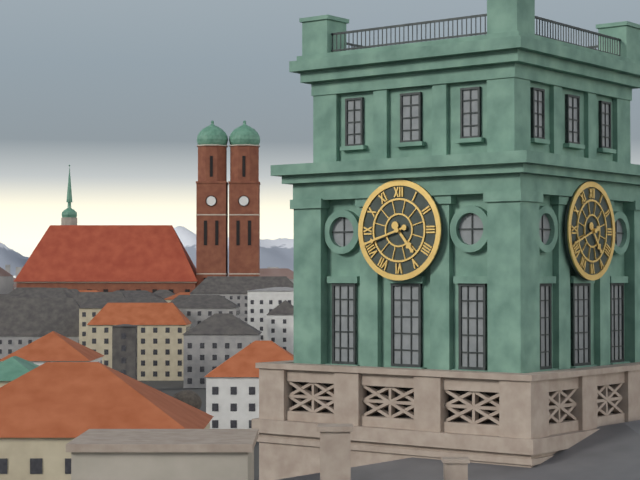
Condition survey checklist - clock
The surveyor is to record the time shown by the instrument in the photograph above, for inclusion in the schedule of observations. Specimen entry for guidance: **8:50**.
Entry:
**4:42**
